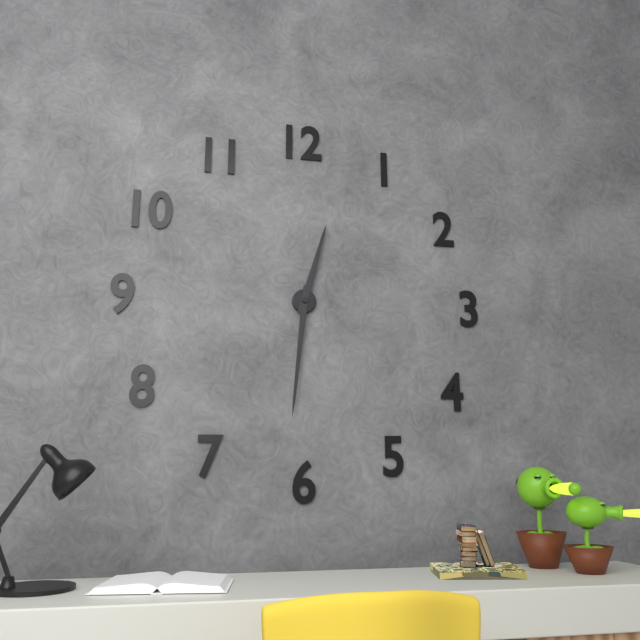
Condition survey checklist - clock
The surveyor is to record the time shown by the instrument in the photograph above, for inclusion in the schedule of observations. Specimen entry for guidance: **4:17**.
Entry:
**12:31**
